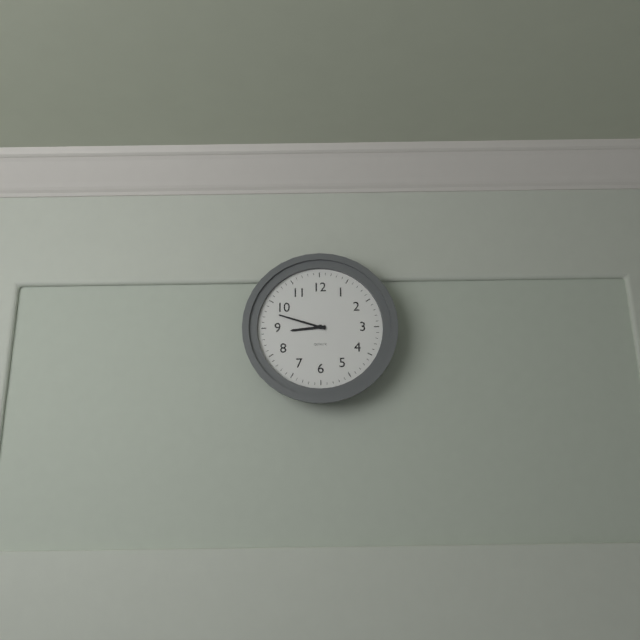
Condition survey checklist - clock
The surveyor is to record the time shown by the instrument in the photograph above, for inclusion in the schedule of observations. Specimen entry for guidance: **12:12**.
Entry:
**8:48**
